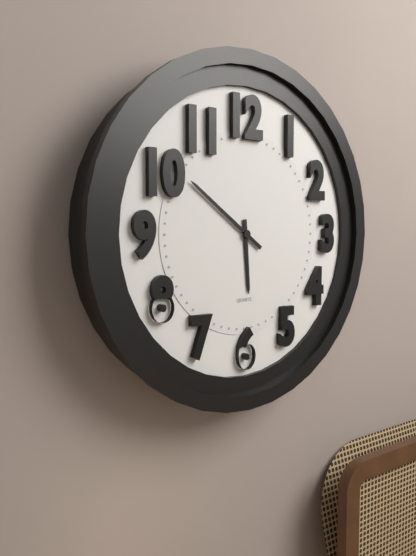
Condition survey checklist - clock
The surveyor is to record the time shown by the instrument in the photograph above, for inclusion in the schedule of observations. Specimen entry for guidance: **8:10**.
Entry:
**5:51**
